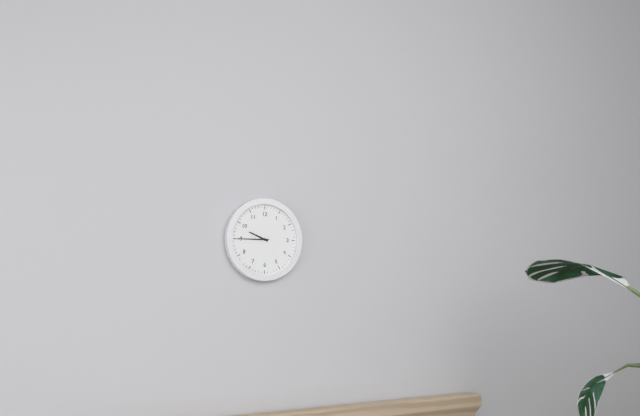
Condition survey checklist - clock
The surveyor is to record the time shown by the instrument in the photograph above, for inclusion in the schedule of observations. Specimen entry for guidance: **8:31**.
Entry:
**9:45**
